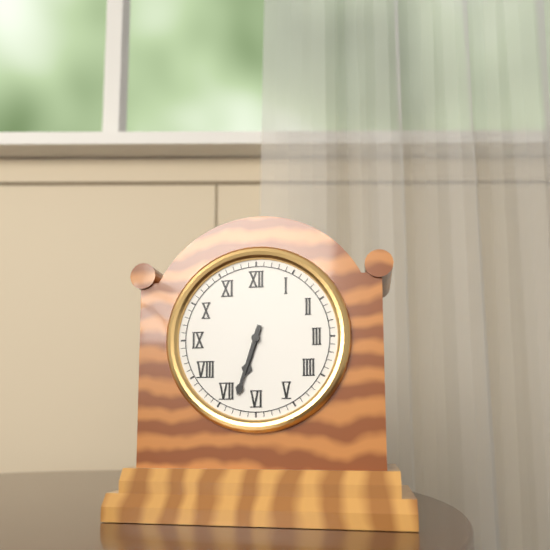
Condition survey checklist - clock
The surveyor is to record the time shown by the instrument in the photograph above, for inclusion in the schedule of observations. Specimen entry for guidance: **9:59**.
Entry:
**6:33**
